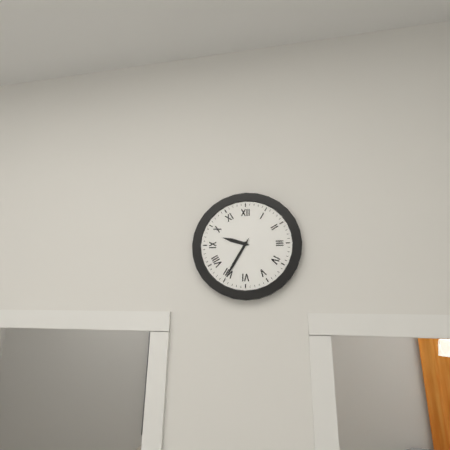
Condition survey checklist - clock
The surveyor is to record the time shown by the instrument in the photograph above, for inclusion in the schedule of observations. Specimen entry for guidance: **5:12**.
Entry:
**9:35**
